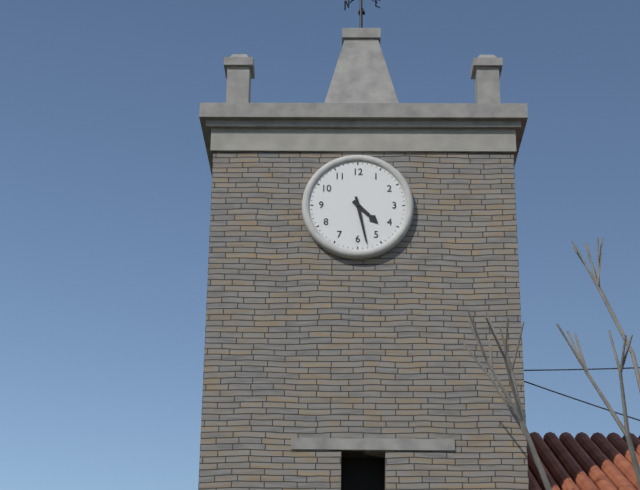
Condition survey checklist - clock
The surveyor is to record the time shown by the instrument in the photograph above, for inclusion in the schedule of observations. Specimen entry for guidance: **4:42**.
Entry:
**4:28**
